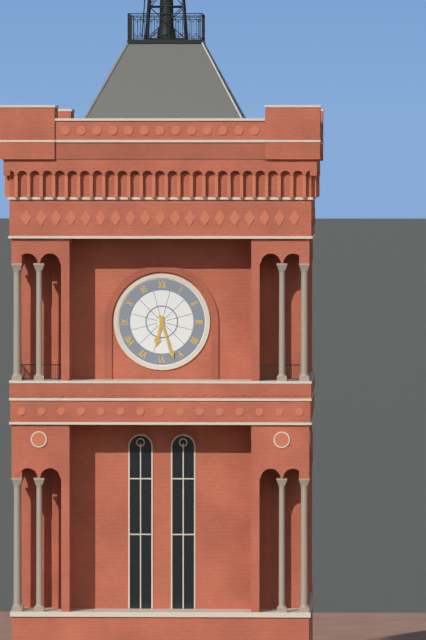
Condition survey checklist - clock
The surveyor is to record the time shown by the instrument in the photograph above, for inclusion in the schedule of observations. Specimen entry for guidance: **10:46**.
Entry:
**6:27**
